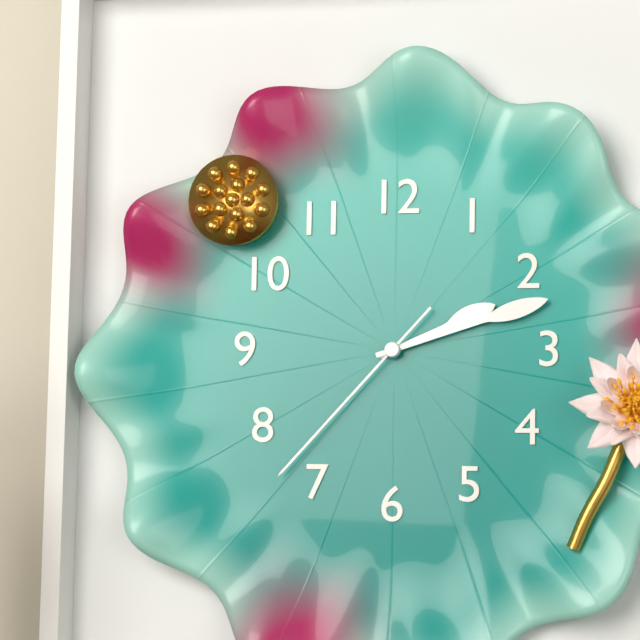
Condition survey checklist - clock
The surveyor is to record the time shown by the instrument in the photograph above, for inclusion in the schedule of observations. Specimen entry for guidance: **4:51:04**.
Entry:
**2:12:37**
